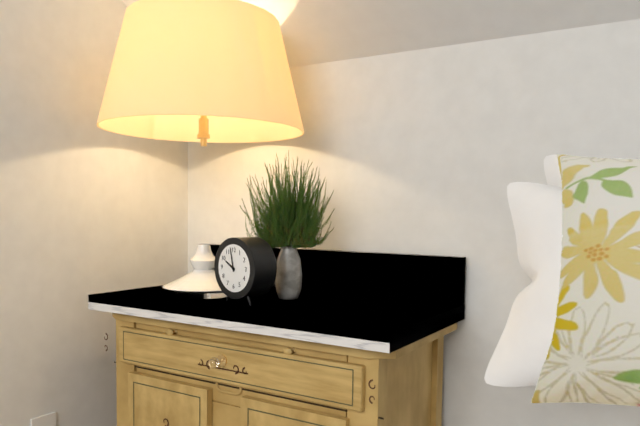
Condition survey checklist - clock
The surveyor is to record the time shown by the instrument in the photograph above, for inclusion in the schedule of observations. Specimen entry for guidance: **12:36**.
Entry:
**9:58**
